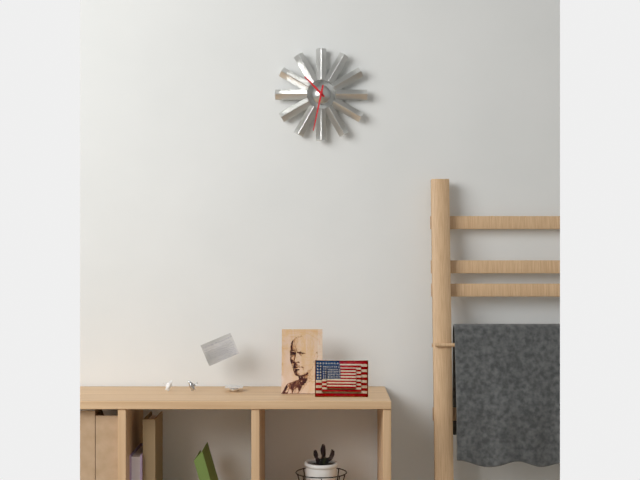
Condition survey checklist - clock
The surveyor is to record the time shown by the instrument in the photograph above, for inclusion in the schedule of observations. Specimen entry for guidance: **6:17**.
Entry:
**10:32**
